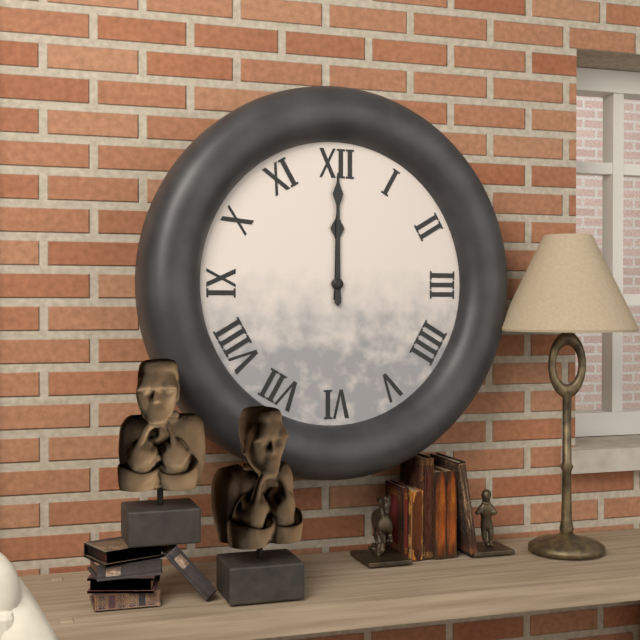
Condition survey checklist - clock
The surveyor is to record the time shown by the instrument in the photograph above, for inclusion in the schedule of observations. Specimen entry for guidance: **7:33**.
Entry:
**12:00**
